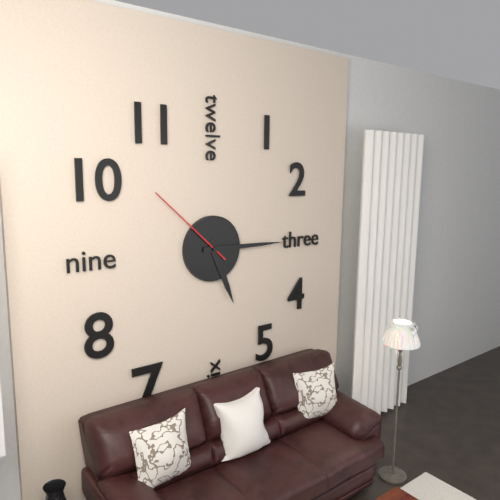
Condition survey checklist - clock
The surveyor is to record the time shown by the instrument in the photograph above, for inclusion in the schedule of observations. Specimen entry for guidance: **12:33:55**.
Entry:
**5:15:52**
